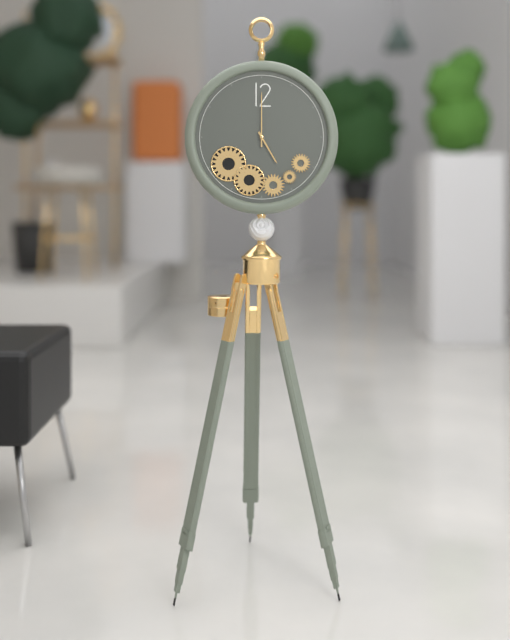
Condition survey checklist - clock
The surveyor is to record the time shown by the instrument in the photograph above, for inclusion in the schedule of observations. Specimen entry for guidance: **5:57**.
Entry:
**5:00**
